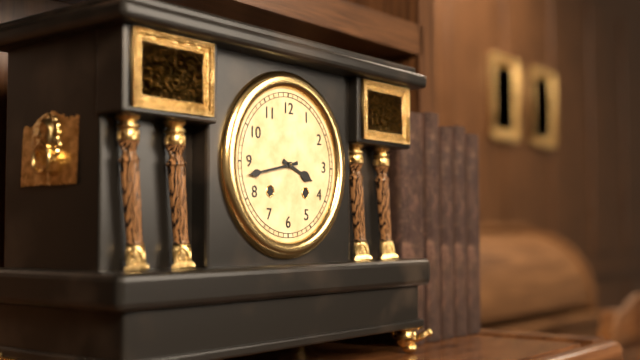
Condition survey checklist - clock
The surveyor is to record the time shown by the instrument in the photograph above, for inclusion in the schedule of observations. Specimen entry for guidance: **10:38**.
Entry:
**3:43**
